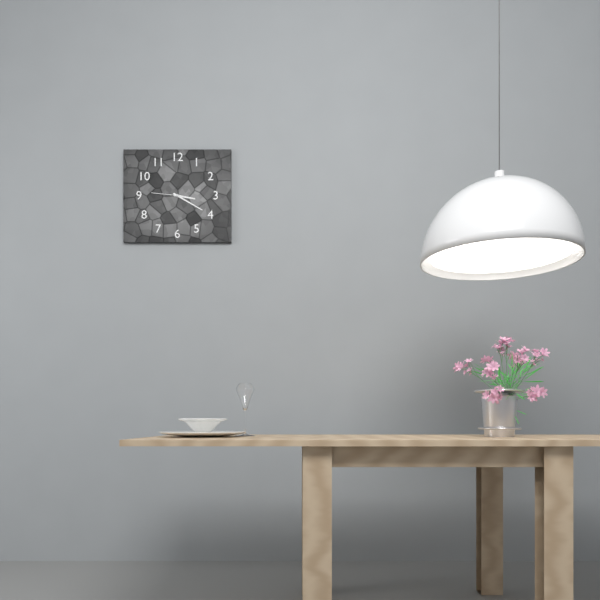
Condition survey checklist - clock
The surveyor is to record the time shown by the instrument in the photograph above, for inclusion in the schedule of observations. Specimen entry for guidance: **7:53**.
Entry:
**3:20**
